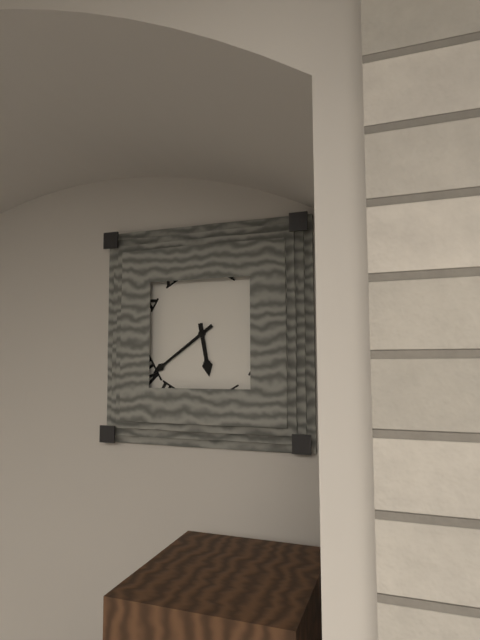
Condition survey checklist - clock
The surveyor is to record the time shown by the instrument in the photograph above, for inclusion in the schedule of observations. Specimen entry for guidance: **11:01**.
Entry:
**5:39**
